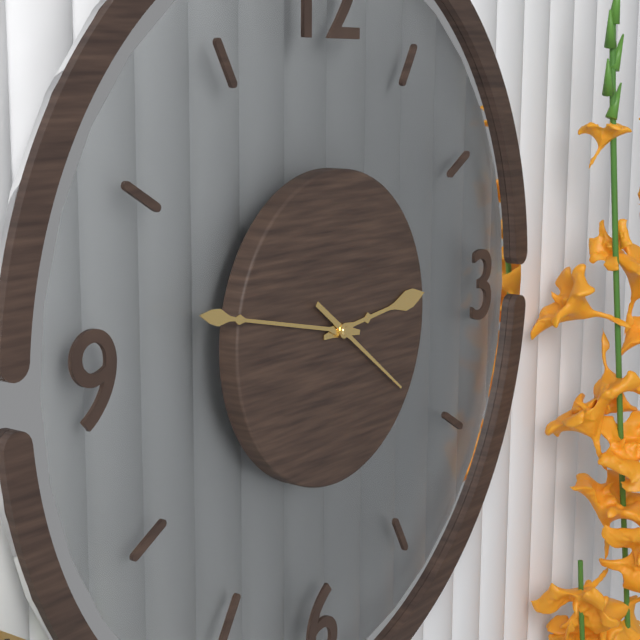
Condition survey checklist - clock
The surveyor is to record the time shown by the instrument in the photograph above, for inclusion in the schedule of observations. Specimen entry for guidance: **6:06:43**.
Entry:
**2:47:21**
